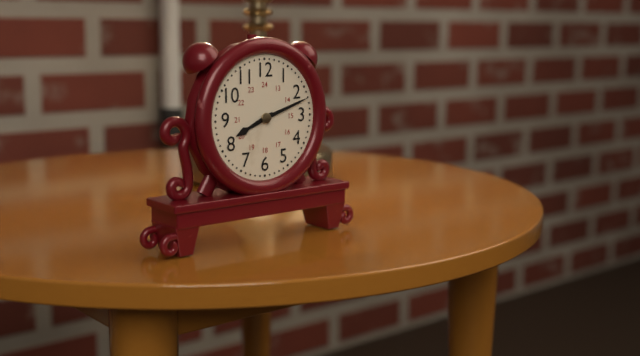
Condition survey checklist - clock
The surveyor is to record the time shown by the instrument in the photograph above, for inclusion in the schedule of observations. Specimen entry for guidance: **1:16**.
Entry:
**8:12**
